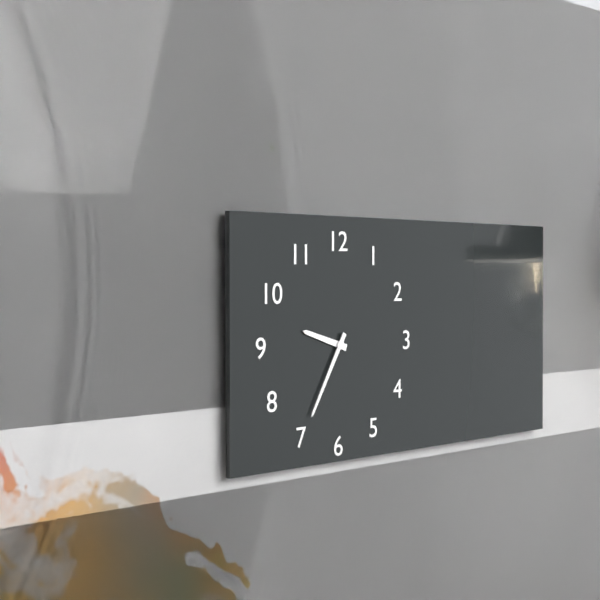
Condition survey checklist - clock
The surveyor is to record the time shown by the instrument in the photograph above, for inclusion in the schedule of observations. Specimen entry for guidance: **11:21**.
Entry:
**9:35**
